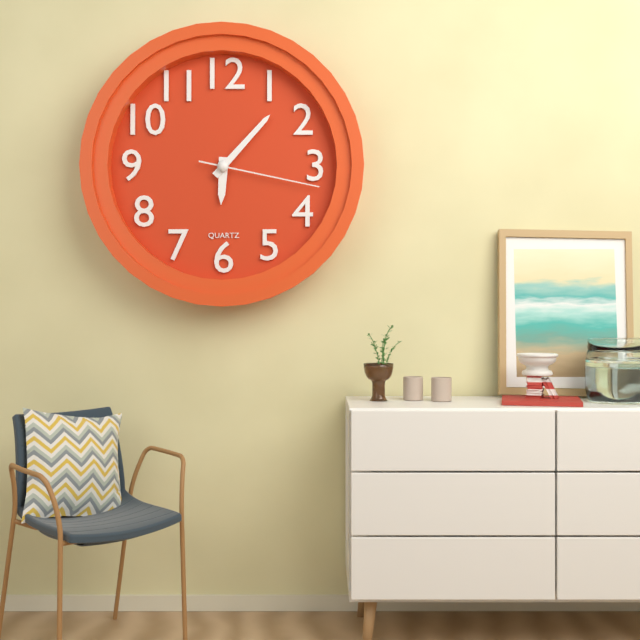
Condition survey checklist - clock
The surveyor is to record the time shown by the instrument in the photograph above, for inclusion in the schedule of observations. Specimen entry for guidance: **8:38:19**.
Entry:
**6:07:17**
